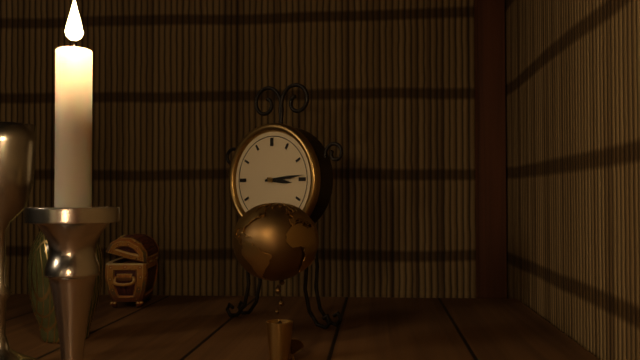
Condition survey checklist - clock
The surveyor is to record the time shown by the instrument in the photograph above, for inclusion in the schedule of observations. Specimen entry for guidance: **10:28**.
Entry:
**3:14**
